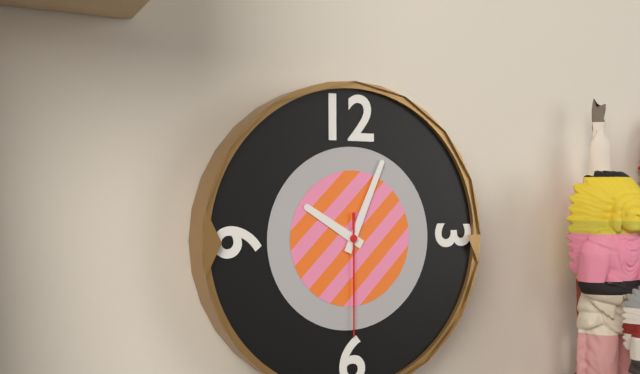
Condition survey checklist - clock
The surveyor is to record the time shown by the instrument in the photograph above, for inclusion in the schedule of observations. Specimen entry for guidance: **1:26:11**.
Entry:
**10:04:30**
